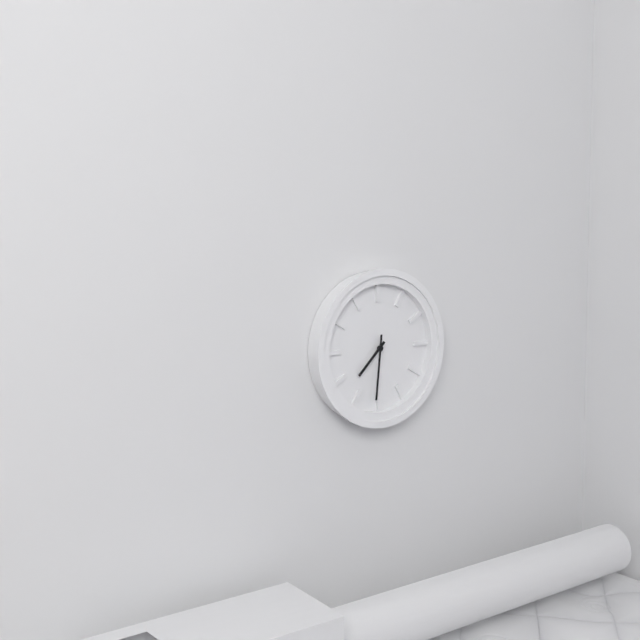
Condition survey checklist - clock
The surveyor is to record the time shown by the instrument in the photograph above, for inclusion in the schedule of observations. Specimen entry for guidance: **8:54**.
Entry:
**7:31**
